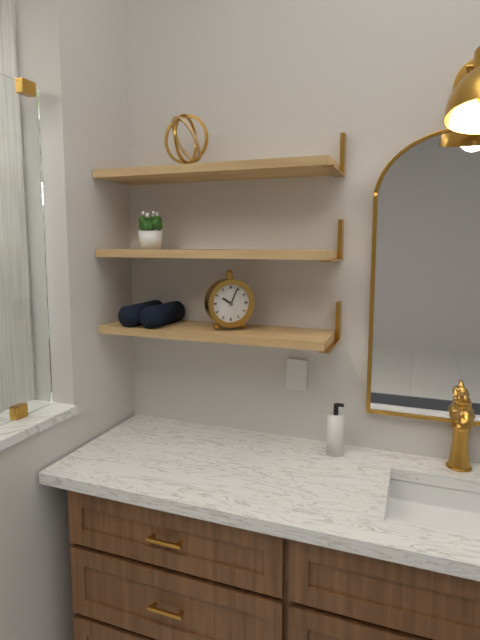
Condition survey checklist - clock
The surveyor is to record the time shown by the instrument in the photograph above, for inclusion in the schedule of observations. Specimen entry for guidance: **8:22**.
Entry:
**10:04**
